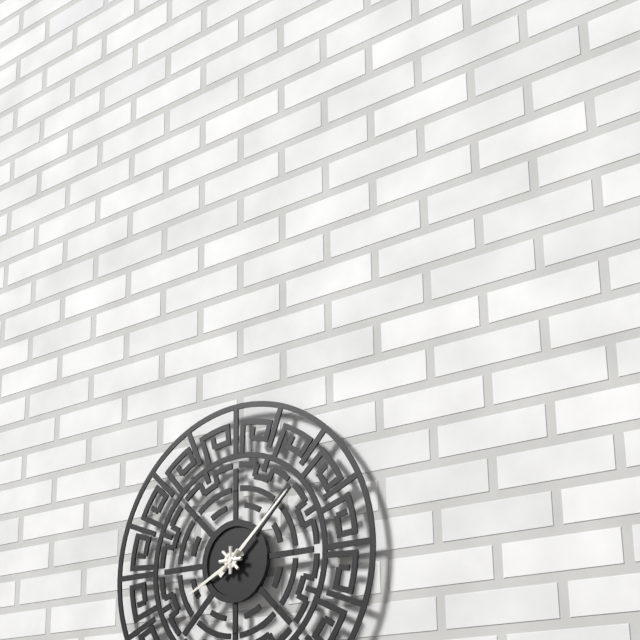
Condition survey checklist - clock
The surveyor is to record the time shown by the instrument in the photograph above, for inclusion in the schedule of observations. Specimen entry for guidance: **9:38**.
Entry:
**8:08**
